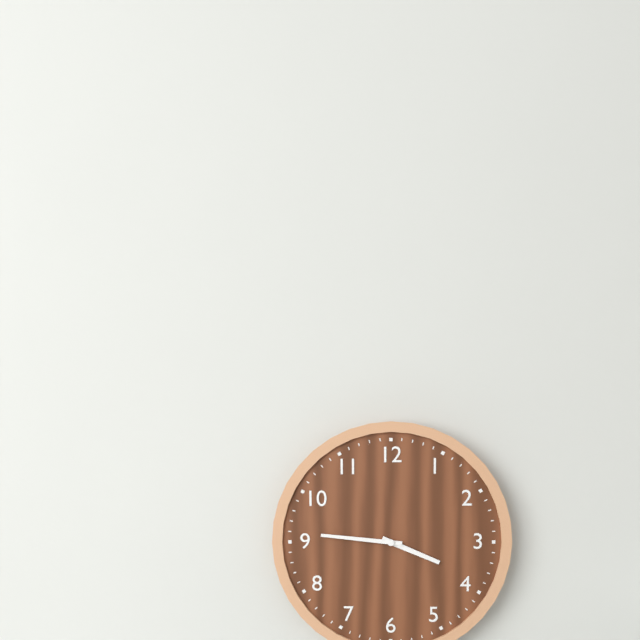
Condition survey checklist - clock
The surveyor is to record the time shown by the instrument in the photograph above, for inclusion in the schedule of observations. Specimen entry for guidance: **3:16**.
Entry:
**3:46**
